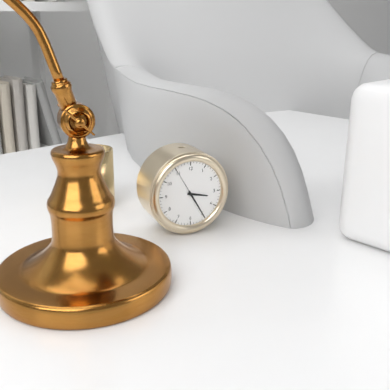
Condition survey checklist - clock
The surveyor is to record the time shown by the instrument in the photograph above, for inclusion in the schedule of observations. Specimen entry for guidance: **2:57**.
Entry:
**3:25**
